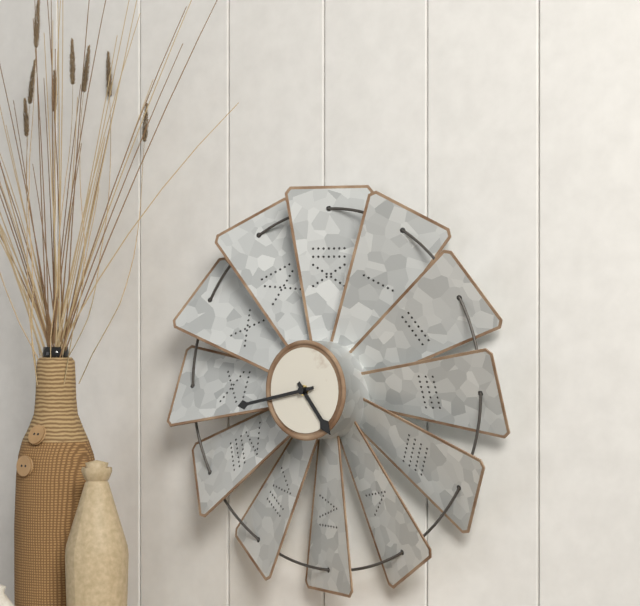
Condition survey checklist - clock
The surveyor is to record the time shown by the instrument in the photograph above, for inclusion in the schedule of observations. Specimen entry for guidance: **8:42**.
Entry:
**4:43**
